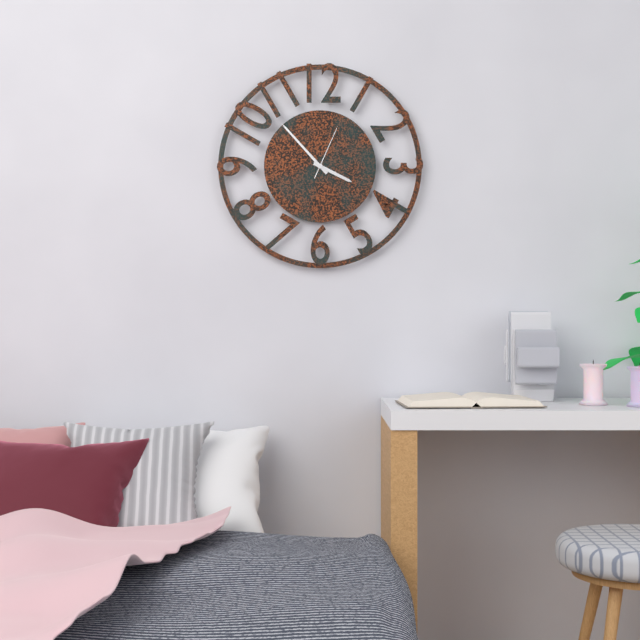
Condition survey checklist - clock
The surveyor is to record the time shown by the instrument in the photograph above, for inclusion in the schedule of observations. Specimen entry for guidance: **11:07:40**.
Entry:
**3:53:04**
